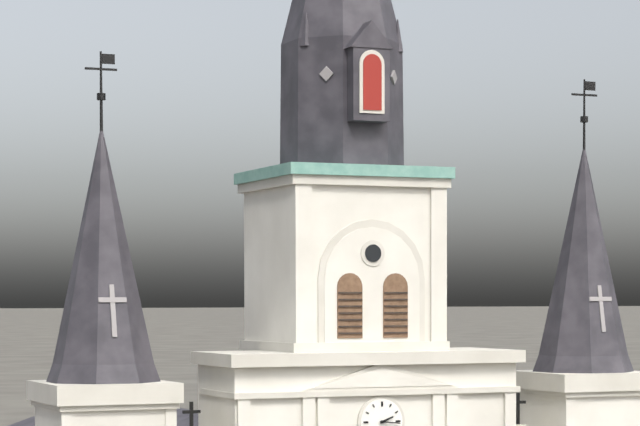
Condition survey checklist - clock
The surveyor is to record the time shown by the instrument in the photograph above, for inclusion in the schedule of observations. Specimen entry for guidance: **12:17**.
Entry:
**2:16**
